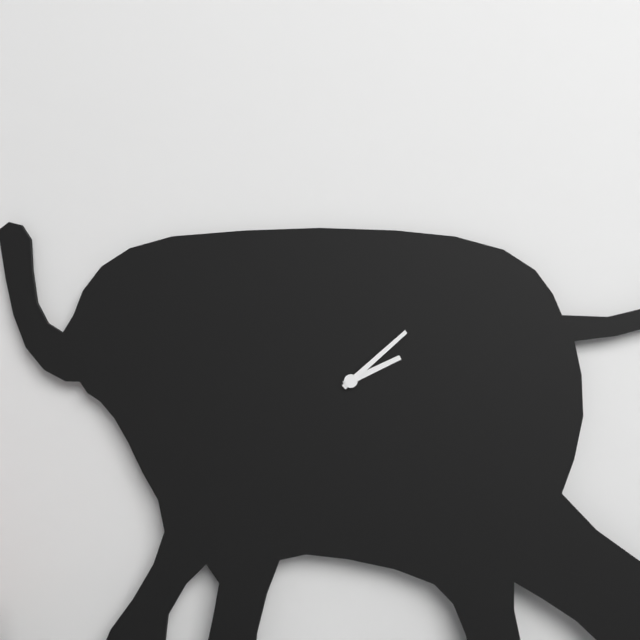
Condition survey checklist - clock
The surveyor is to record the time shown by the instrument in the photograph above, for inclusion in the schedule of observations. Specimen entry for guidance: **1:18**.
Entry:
**2:08**
